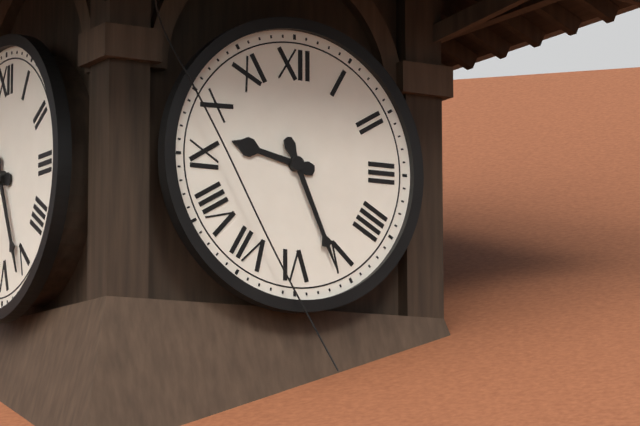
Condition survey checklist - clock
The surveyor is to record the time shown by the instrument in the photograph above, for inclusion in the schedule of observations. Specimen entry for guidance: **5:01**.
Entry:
**9:26**
